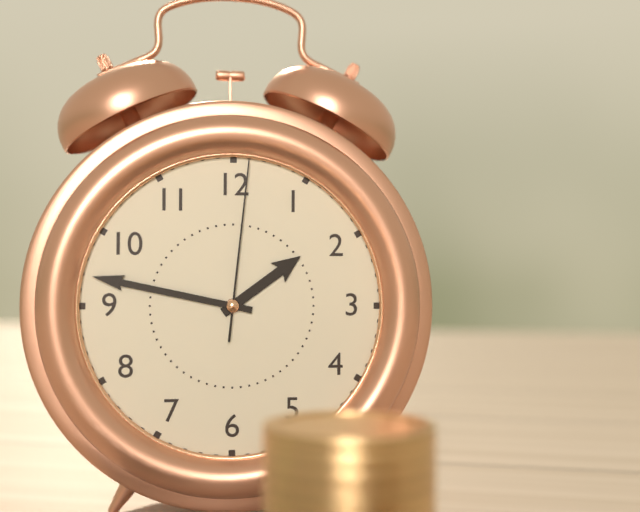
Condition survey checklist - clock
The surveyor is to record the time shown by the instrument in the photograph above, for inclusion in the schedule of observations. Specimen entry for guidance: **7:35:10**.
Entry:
**1:47:01**
